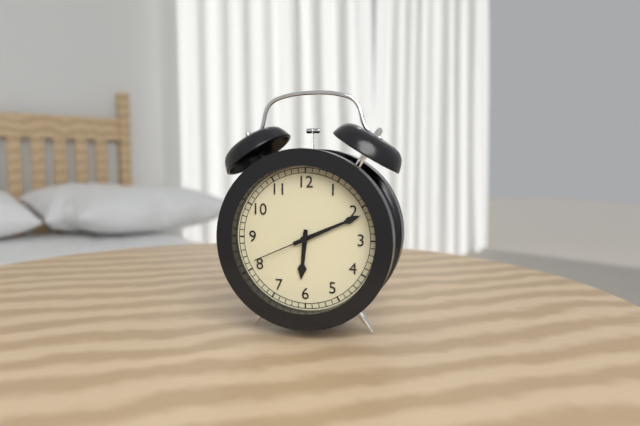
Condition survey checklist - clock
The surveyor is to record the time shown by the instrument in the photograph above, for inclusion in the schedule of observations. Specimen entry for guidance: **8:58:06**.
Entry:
**6:11:41**
